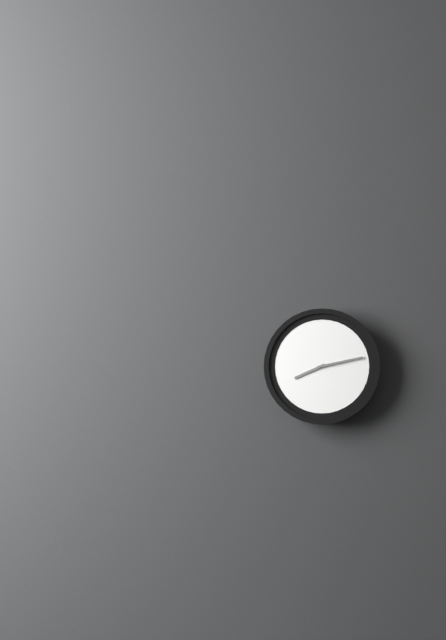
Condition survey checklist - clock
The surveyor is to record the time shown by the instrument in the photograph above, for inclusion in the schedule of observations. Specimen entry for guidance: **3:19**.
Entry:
**8:13**
